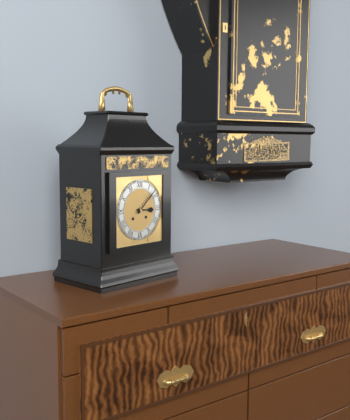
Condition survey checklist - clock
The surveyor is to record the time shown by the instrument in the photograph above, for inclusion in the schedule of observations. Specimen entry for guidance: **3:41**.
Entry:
**3:08**
